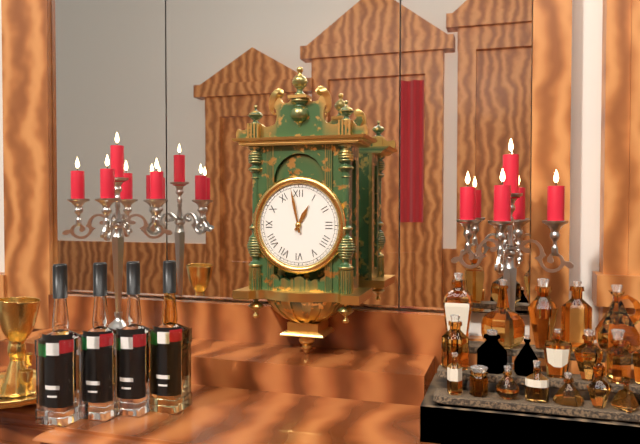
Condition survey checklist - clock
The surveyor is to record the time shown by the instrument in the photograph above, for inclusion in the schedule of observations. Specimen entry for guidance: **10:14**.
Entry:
**12:58**
